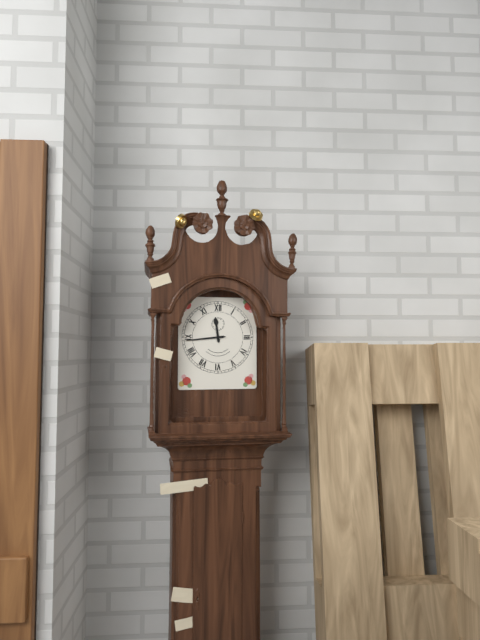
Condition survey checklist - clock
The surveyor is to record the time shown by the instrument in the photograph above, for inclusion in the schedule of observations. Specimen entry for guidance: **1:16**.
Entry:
**11:44**
